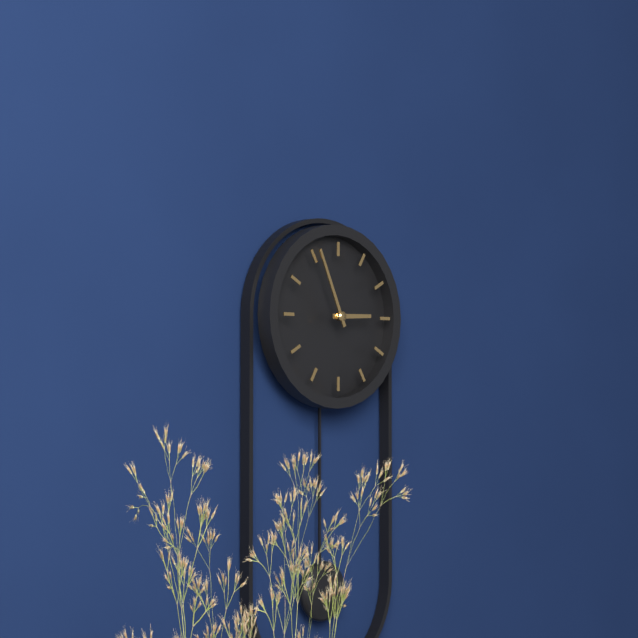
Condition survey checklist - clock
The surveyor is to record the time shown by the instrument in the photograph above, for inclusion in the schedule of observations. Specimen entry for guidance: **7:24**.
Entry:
**2:56**
